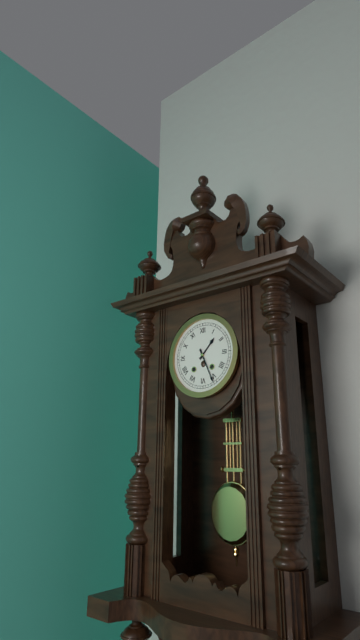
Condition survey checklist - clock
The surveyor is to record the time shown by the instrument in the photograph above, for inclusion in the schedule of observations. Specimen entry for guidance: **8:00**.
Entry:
**1:26**
